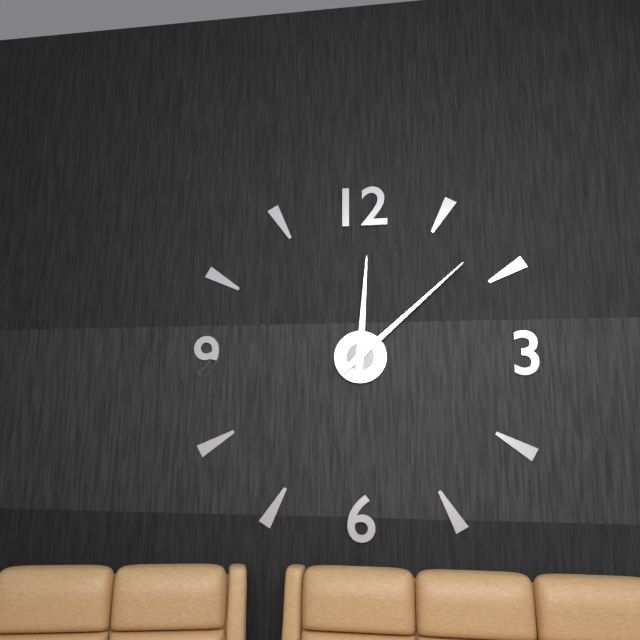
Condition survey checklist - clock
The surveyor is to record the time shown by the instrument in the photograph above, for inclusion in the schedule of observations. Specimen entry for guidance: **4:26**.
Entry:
**12:08**
